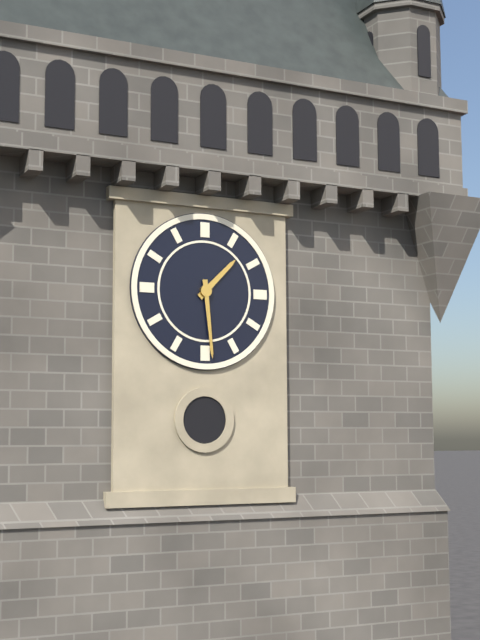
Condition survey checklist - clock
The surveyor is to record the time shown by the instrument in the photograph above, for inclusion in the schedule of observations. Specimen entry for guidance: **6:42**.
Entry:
**1:29**
